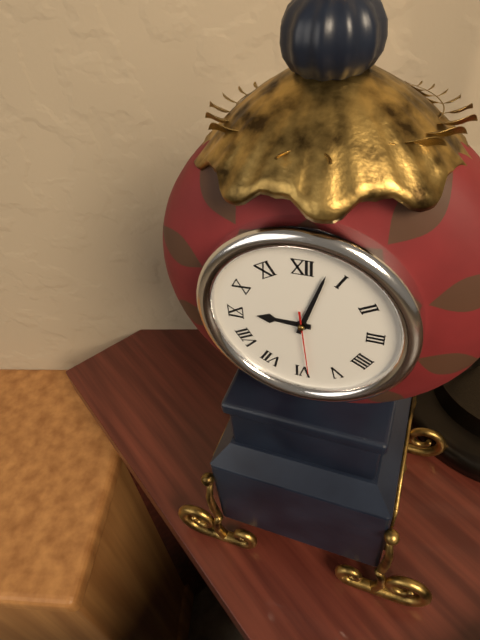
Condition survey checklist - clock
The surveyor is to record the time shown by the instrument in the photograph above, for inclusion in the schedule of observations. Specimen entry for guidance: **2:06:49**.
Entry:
**9:03:29**
